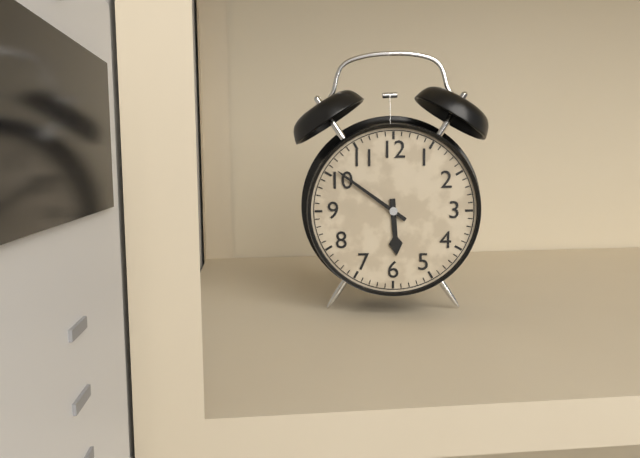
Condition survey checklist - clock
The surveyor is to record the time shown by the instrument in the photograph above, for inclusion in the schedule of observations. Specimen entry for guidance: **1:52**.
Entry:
**5:51**
